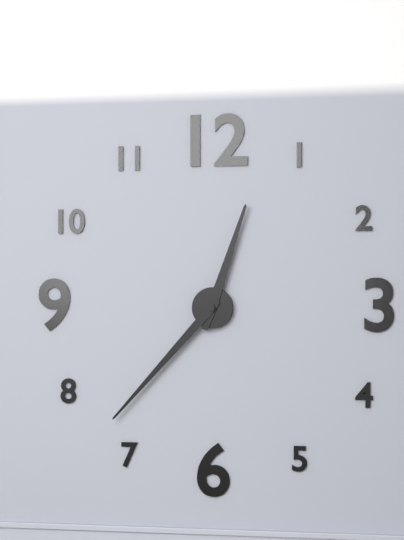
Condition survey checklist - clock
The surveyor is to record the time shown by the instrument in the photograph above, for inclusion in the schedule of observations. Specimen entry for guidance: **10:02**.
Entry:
**12:37**
